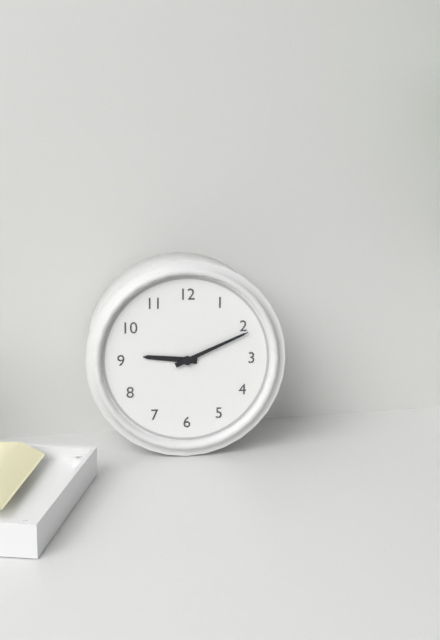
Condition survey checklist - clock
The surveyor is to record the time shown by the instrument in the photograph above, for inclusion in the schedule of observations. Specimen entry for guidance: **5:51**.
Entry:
**9:11**
